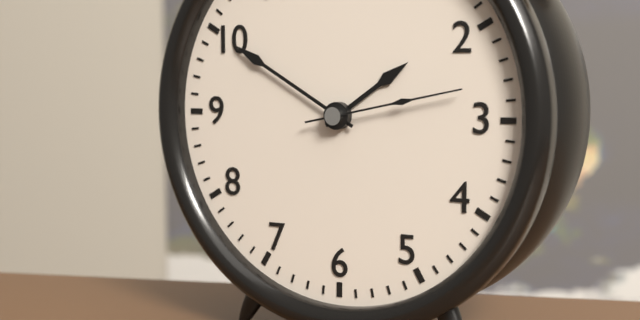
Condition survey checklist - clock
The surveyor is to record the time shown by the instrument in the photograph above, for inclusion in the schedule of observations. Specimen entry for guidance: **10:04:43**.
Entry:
**1:50:13**
